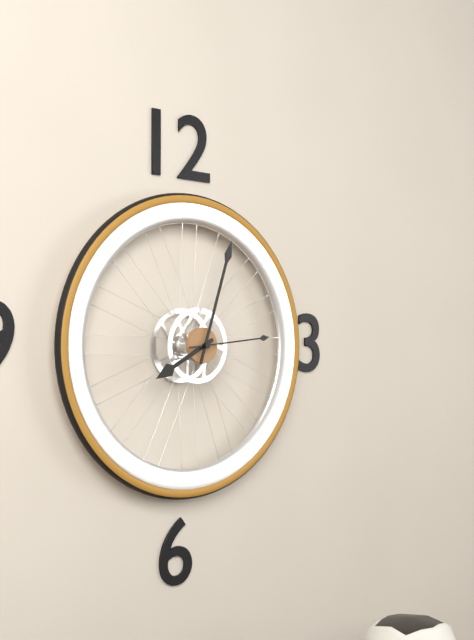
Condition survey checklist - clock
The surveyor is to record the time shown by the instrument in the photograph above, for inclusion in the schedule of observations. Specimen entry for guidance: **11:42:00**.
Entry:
**8:03:14**
